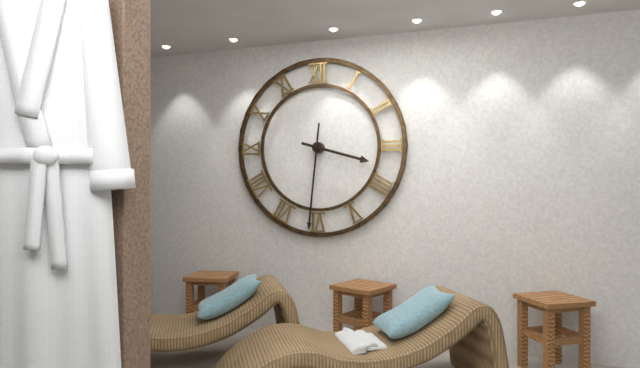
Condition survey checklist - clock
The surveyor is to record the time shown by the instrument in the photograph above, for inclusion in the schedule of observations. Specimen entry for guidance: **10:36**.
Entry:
**3:31**
